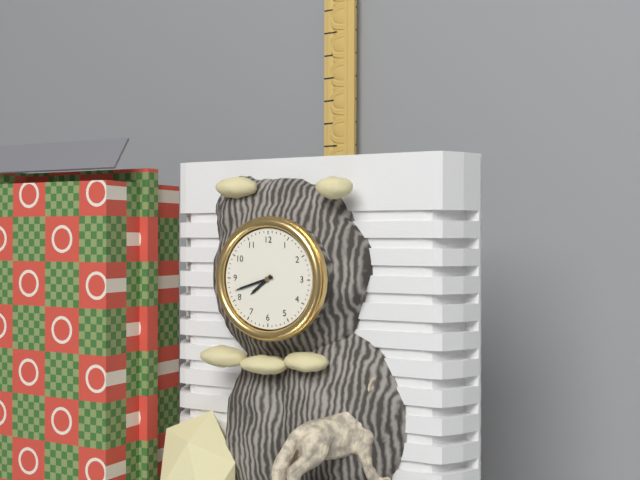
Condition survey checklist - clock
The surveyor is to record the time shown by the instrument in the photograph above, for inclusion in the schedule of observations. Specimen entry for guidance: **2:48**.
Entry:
**7:42**
